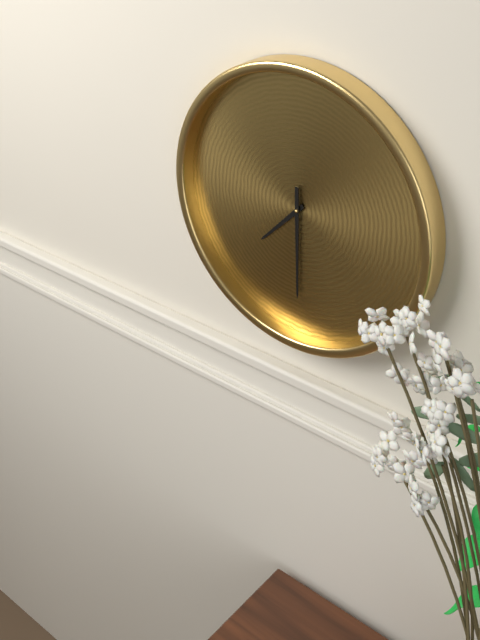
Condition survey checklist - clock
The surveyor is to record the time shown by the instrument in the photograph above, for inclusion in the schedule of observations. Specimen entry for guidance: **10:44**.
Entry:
**7:30**
